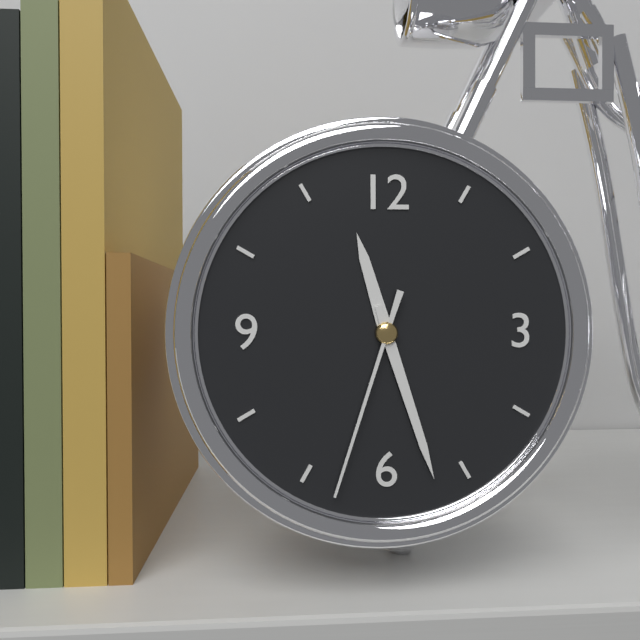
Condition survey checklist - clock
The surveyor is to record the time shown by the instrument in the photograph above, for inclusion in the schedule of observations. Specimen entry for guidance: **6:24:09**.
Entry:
**11:27:33**
